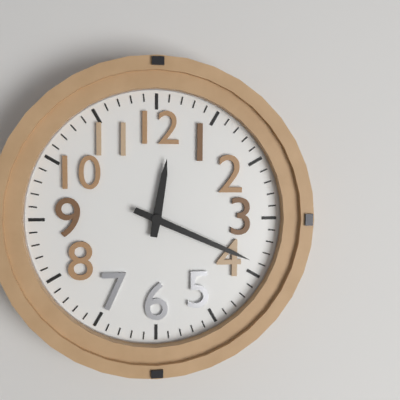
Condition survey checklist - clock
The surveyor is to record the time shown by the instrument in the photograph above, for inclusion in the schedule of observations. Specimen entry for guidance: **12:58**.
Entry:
**12:19**
